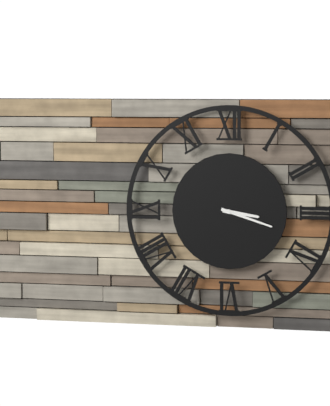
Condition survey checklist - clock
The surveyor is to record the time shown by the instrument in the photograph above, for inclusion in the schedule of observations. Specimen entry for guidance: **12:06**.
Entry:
**3:18**
